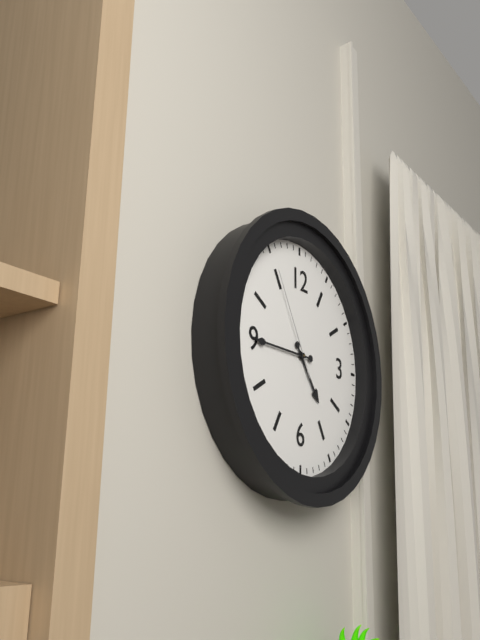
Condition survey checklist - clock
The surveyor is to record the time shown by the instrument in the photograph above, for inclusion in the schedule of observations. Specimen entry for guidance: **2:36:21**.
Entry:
**4:45:55**
